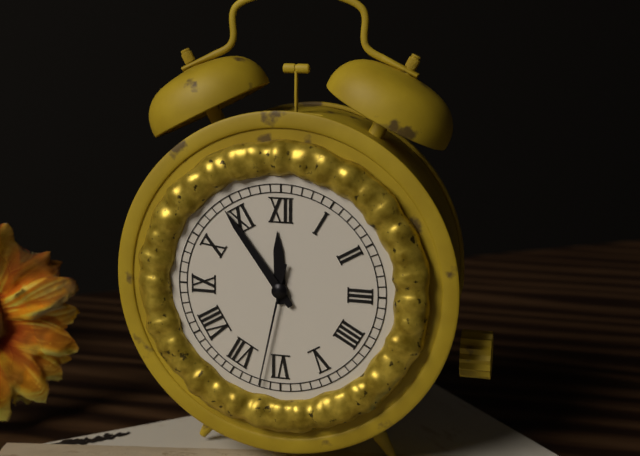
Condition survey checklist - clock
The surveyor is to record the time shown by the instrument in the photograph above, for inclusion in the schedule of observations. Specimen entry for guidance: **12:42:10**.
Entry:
**11:54:32**
